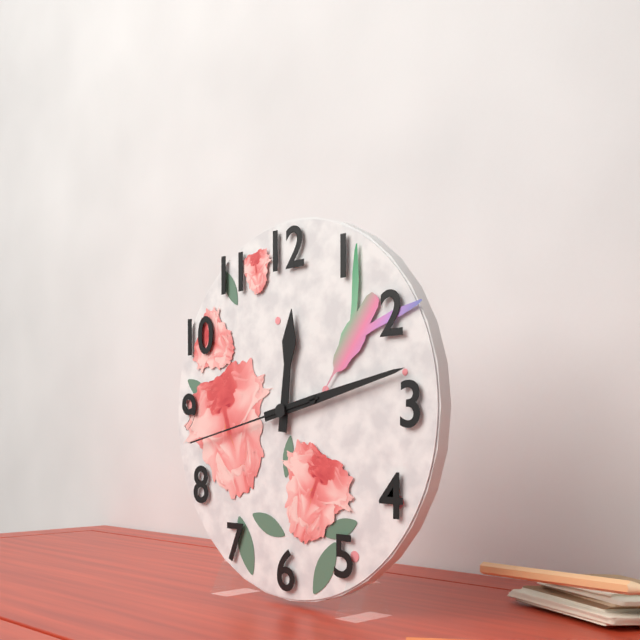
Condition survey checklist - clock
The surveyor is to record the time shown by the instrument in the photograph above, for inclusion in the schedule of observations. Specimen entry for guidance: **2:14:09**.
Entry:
**12:13:43**
